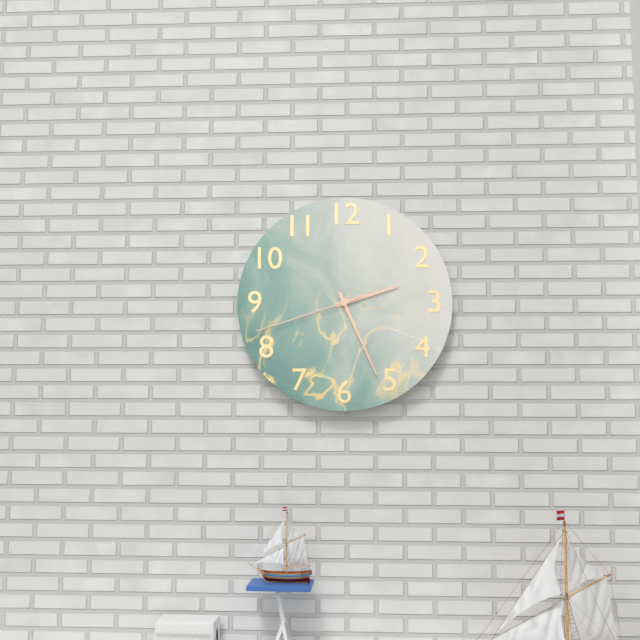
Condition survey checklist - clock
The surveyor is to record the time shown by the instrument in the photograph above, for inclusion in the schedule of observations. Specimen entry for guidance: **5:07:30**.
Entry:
**2:26:42**
